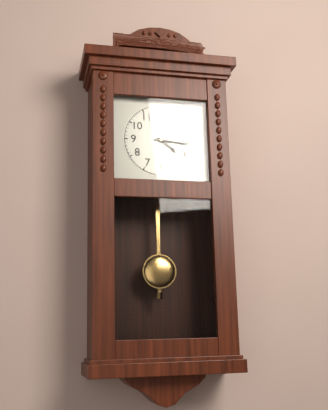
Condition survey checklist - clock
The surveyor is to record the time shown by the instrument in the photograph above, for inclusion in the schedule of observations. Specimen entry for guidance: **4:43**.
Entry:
**4:16**
